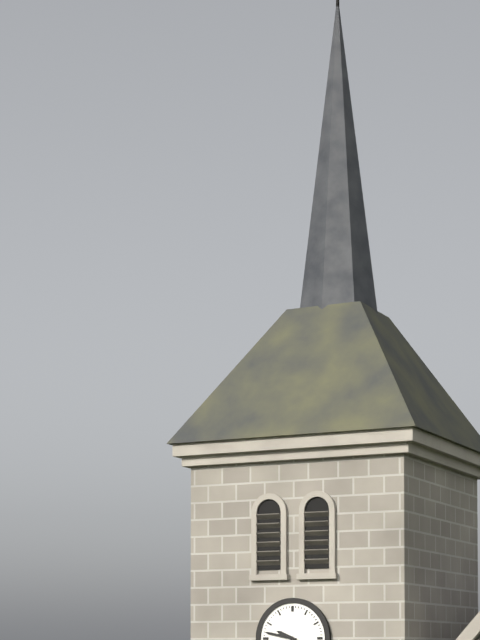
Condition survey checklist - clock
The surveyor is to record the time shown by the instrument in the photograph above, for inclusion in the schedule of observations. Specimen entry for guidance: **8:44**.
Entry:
**9:47**
